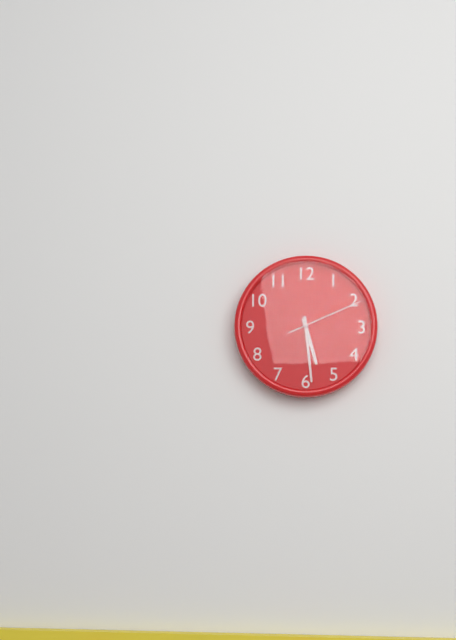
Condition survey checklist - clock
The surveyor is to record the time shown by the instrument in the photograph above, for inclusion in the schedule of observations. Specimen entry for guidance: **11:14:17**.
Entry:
**5:29:11**
